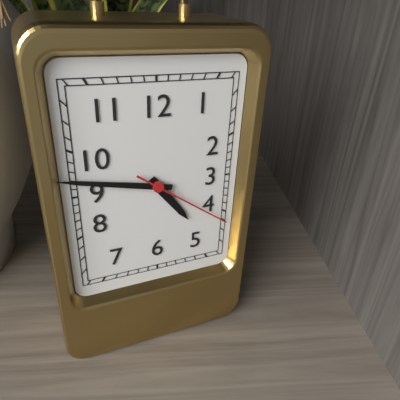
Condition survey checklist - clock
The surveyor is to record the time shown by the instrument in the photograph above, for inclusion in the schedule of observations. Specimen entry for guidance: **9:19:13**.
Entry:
**4:47:21**
